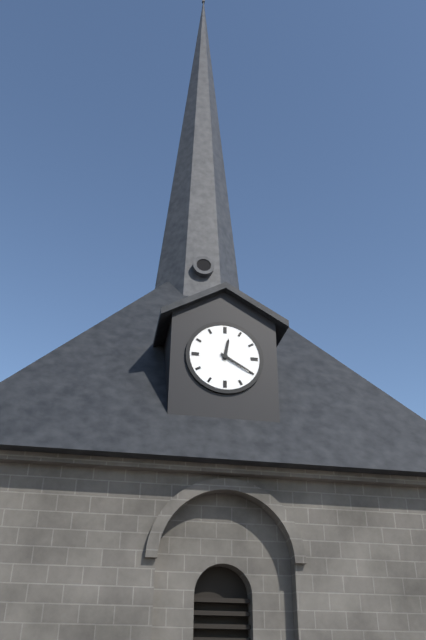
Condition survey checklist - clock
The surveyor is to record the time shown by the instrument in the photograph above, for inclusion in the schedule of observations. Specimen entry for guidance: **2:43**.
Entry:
**12:20**
